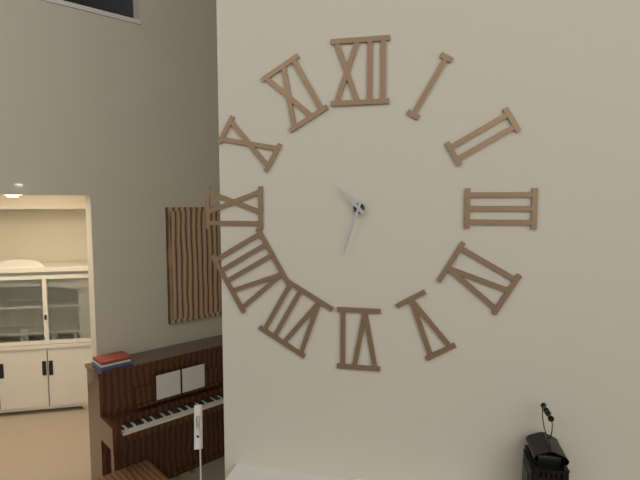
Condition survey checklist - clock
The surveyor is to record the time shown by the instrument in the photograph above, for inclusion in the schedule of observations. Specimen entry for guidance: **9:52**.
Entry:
**10:33**
